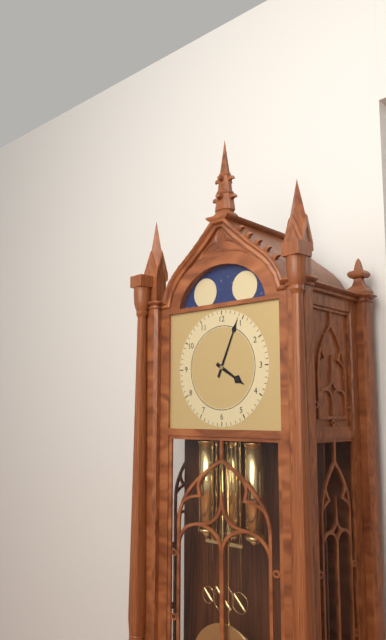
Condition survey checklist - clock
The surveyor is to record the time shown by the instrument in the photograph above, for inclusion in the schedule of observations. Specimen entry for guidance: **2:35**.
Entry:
**4:04**
